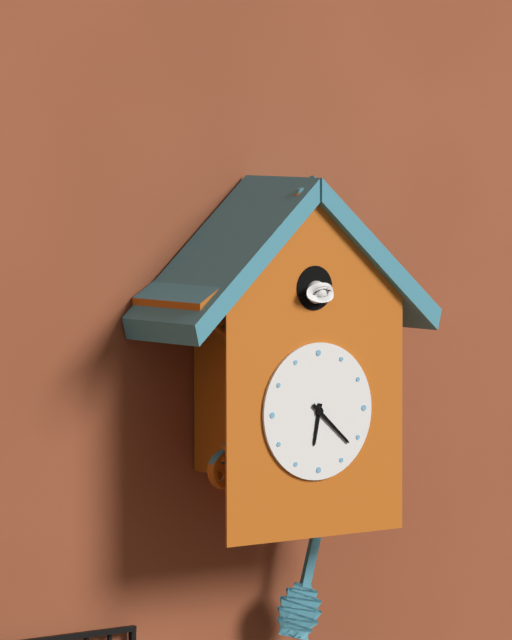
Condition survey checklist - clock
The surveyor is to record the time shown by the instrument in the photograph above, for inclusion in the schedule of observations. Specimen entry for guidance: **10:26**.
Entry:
**6:22**
